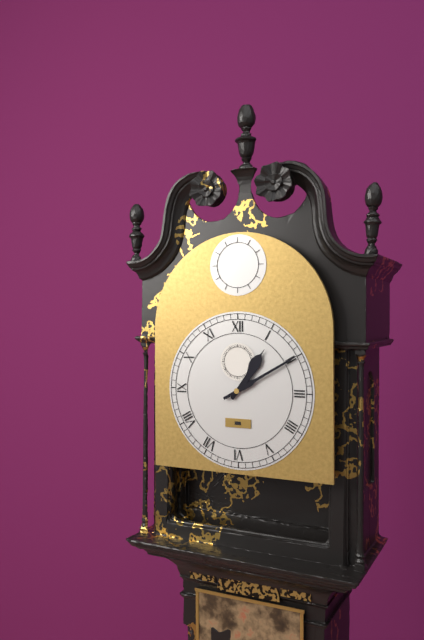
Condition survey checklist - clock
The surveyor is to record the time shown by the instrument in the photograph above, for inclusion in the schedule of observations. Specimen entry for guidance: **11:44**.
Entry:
**1:10**
